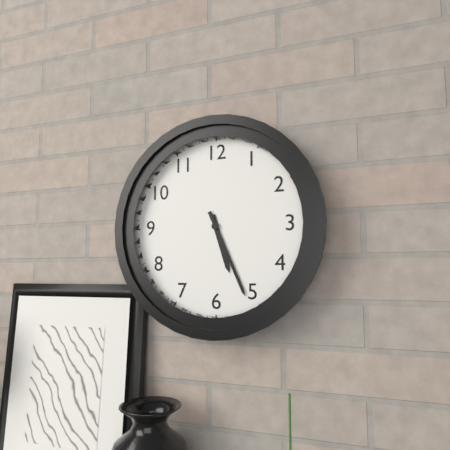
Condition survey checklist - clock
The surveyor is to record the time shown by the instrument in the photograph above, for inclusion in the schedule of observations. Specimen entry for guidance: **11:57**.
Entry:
**5:26**
